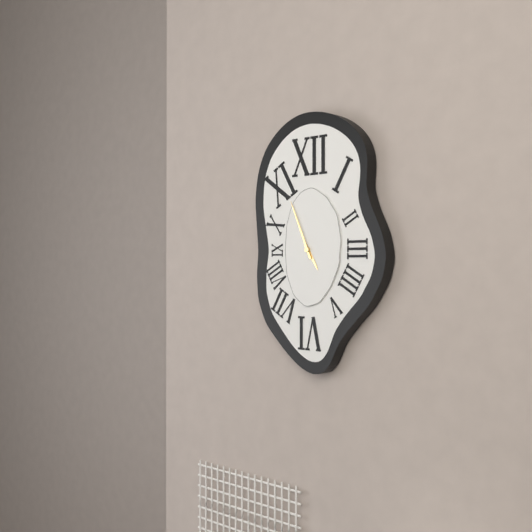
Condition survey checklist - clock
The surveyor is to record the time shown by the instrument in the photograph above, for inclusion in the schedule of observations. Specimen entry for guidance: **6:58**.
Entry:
**4:56**
